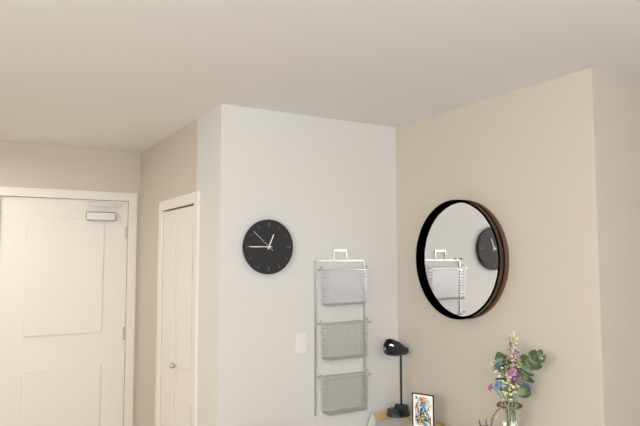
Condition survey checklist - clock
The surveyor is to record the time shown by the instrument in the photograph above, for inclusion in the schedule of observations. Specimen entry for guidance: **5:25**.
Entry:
**12:45**
